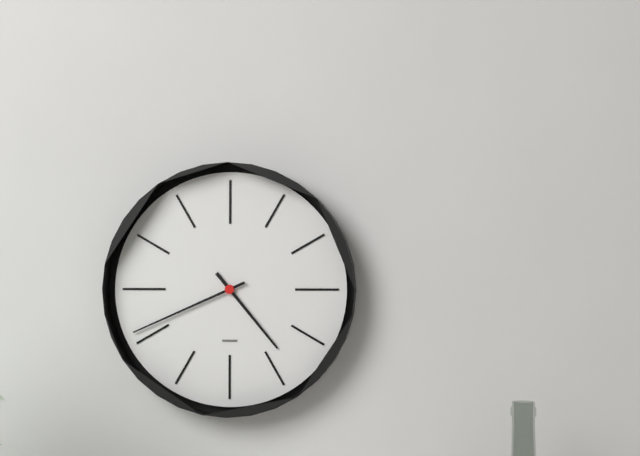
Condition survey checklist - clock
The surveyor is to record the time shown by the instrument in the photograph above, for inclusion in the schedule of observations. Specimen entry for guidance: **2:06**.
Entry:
**4:41**
